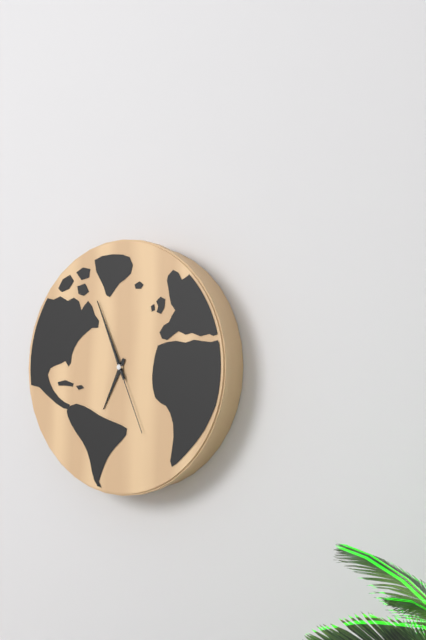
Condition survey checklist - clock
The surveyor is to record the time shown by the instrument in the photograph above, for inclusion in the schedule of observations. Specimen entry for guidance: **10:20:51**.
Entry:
**6:56:26**
